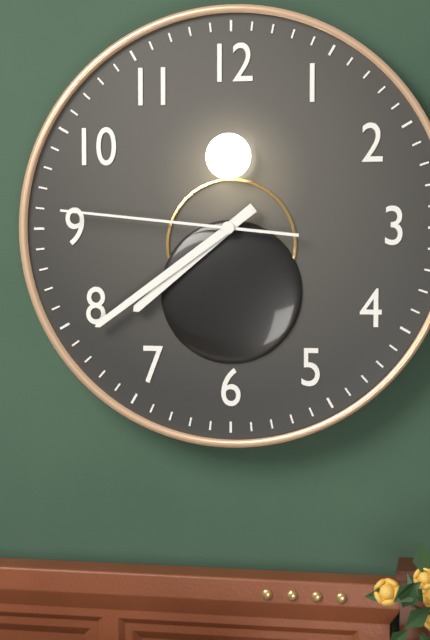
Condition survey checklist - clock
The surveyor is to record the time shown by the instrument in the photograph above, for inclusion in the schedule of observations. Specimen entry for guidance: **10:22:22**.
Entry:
**7:39:46**
